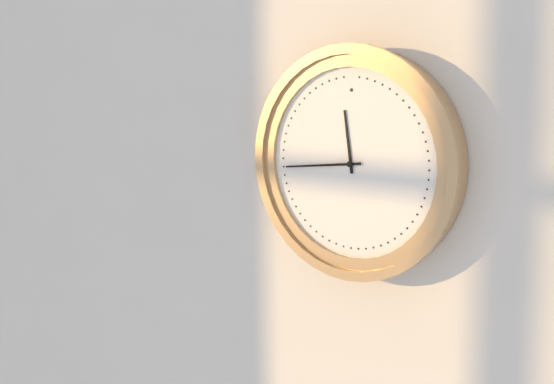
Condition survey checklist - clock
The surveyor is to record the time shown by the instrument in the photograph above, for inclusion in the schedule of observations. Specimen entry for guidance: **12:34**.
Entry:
**11:44**
